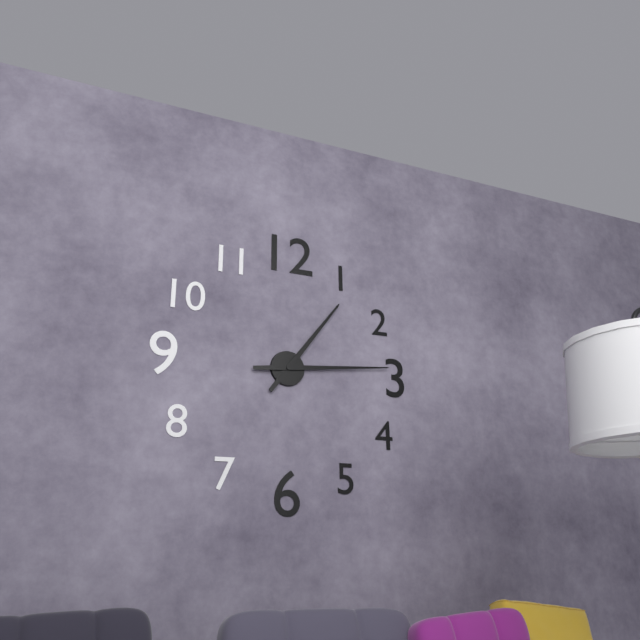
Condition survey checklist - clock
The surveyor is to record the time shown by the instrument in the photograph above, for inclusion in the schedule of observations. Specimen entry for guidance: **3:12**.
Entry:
**1:14**
